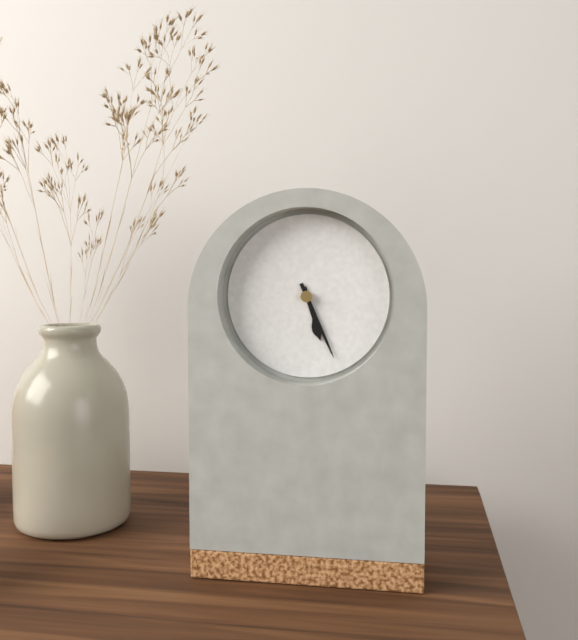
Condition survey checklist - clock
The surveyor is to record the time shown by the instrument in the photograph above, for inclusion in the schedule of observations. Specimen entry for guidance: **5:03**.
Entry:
**5:26**
